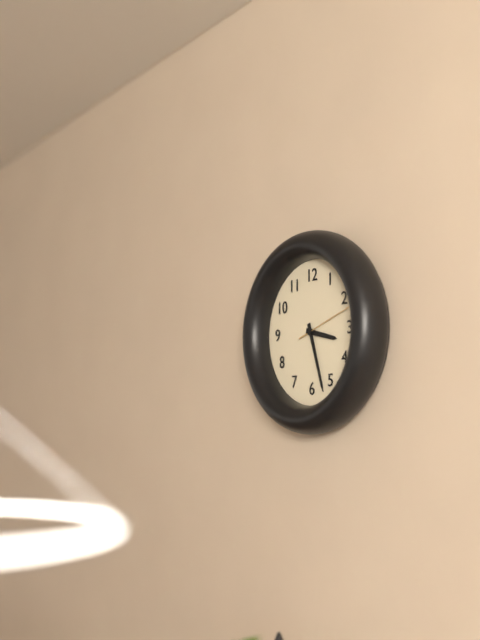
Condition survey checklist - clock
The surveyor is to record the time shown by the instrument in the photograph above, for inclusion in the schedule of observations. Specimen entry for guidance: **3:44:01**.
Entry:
**3:27:12**
